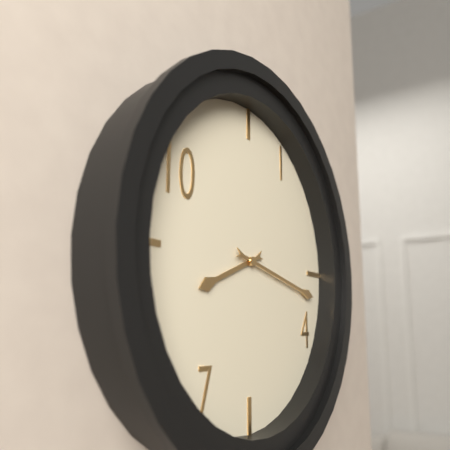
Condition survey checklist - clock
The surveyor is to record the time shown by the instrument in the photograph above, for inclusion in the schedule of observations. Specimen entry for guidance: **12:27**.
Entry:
**8:17**
